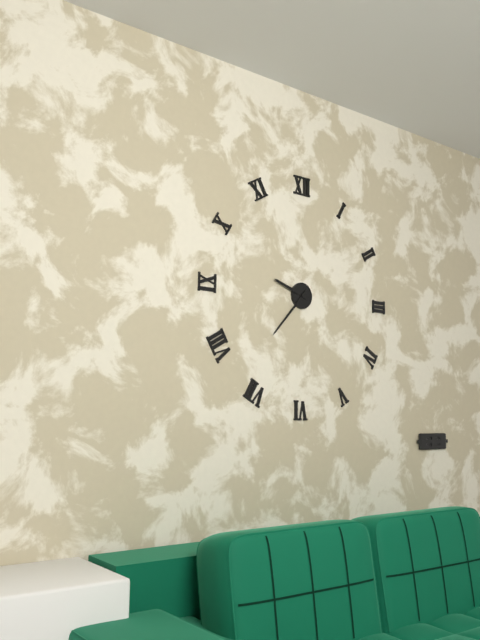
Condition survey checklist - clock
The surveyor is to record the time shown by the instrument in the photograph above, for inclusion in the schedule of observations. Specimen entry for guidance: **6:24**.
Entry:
**9:37**
